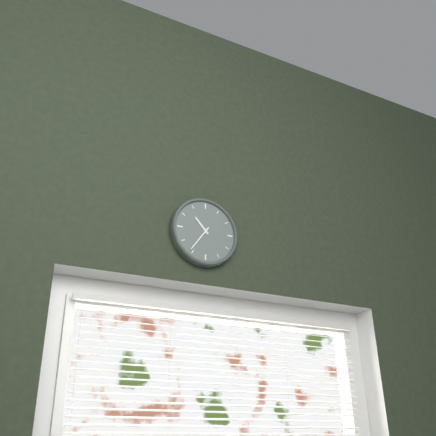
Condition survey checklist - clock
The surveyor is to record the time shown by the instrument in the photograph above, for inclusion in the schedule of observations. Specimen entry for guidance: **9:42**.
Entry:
**10:36**
